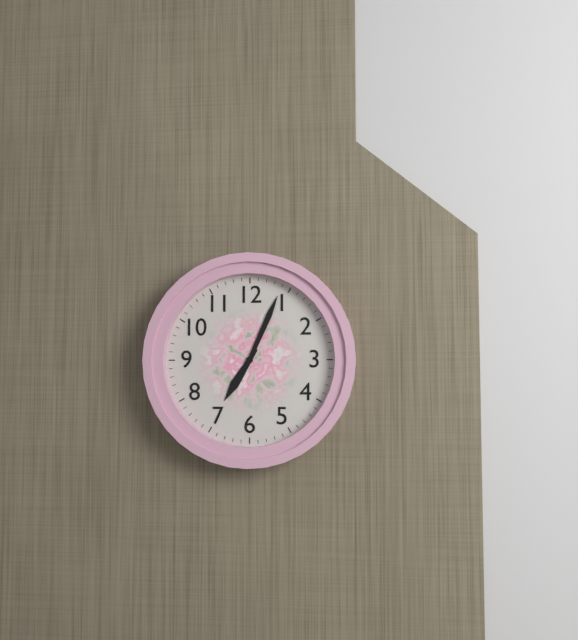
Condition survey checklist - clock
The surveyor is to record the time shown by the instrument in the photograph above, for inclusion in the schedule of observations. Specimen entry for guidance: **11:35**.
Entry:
**7:04**
